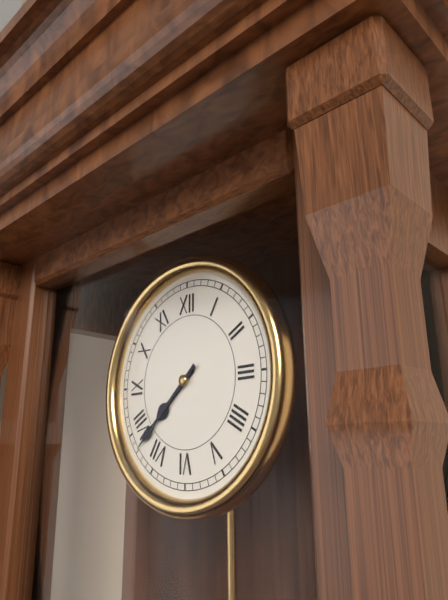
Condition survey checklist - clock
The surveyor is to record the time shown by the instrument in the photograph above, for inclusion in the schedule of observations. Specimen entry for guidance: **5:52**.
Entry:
**7:38**
